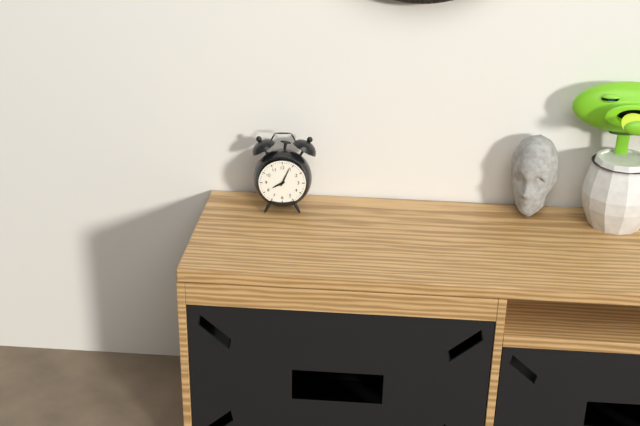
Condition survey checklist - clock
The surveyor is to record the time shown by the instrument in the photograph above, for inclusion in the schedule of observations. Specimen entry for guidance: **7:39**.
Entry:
**8:04**
